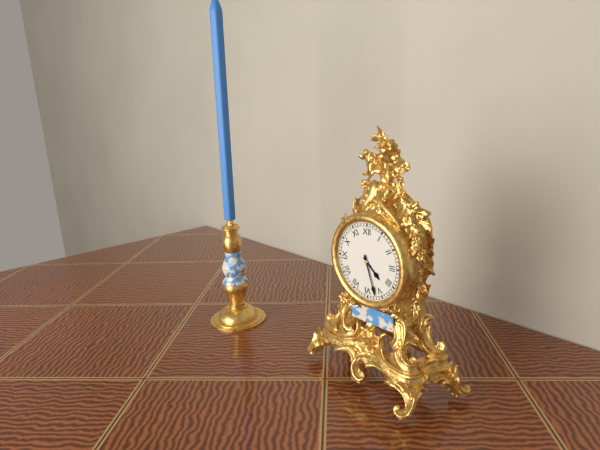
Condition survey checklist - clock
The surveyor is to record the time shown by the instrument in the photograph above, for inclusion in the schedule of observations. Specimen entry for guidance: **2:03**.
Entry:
**4:27**
